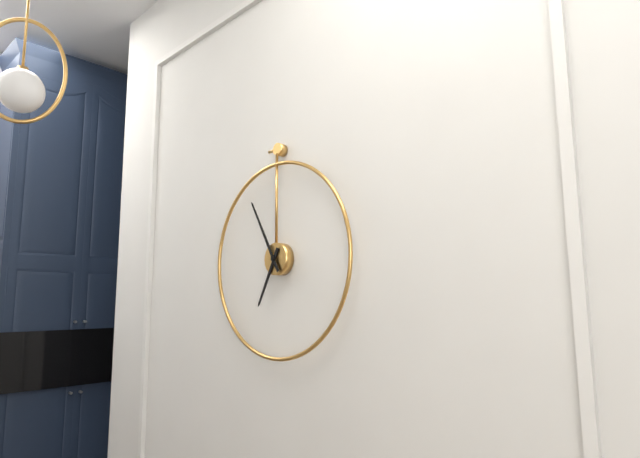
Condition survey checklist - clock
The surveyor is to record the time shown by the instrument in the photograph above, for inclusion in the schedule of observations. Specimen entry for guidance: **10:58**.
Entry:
**6:55**
